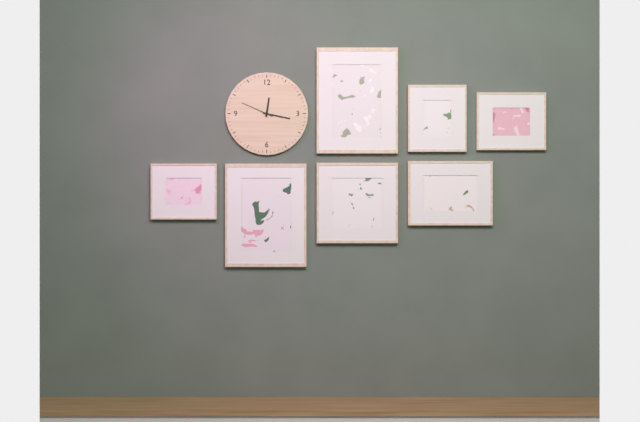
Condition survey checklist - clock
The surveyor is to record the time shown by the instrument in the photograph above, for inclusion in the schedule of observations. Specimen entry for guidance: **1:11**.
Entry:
**12:17**
